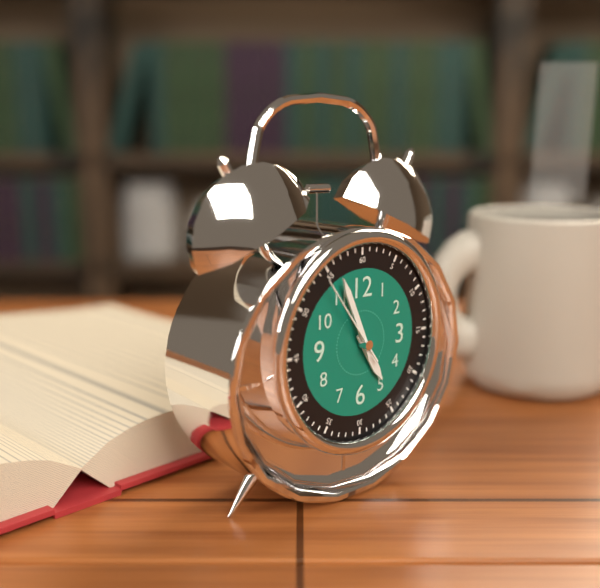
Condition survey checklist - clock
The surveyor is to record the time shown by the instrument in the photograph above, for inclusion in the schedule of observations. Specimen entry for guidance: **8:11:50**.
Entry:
**4:56:54**
